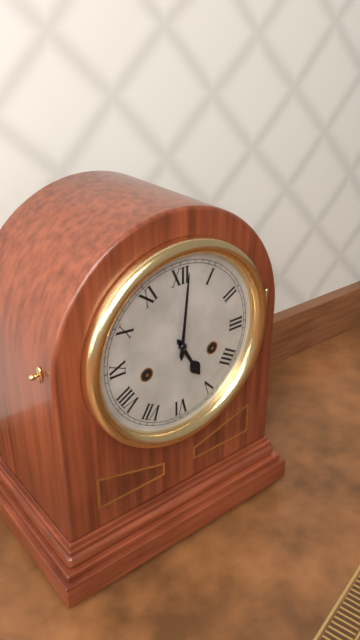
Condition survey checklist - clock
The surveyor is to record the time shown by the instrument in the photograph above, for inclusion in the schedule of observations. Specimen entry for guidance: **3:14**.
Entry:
**5:01**
